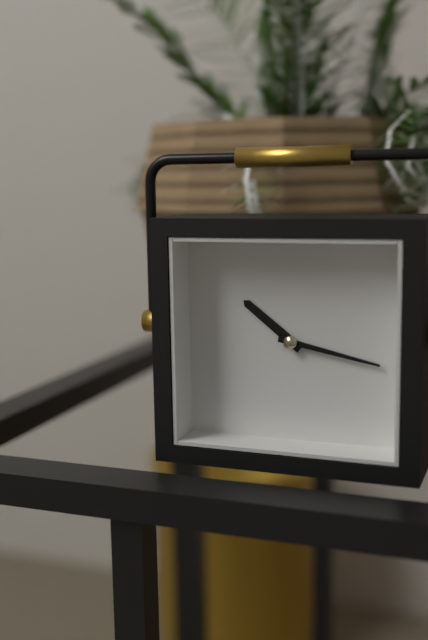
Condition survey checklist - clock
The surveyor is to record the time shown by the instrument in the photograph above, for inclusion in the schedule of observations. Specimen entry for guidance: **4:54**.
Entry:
**10:17**
